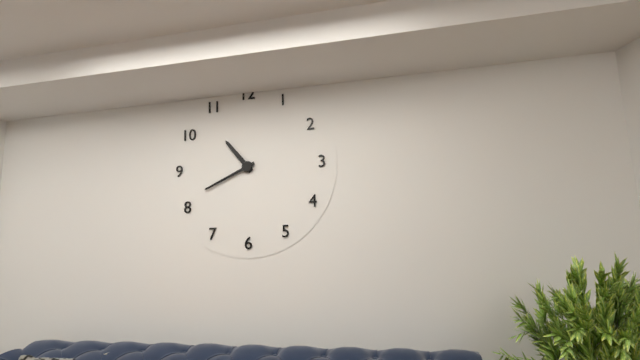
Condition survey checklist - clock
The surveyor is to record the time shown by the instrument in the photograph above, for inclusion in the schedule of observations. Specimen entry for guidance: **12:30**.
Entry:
**10:41**
